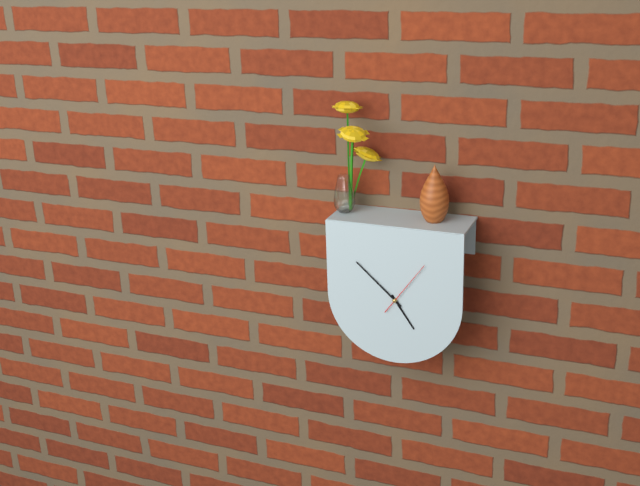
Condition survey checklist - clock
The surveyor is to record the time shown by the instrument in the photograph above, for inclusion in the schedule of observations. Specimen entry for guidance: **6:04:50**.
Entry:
**4:52:06**
